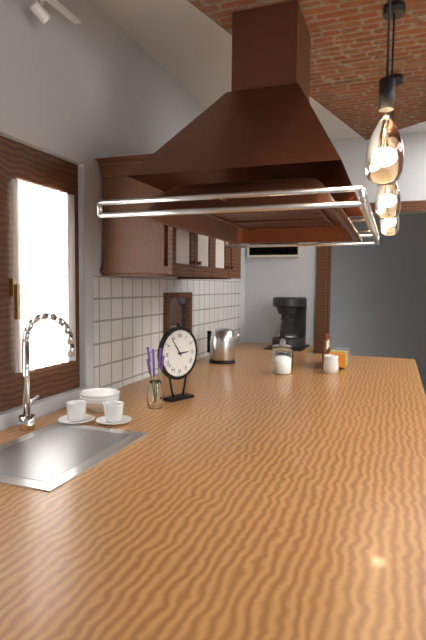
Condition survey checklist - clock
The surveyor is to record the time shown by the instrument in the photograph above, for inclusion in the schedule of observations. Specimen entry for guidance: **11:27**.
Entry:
**2:54**
